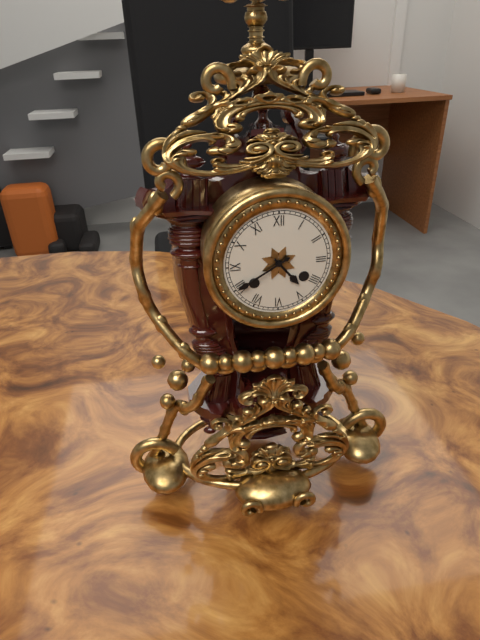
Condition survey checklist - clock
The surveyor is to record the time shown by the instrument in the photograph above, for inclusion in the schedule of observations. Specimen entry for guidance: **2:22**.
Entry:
**4:40**
